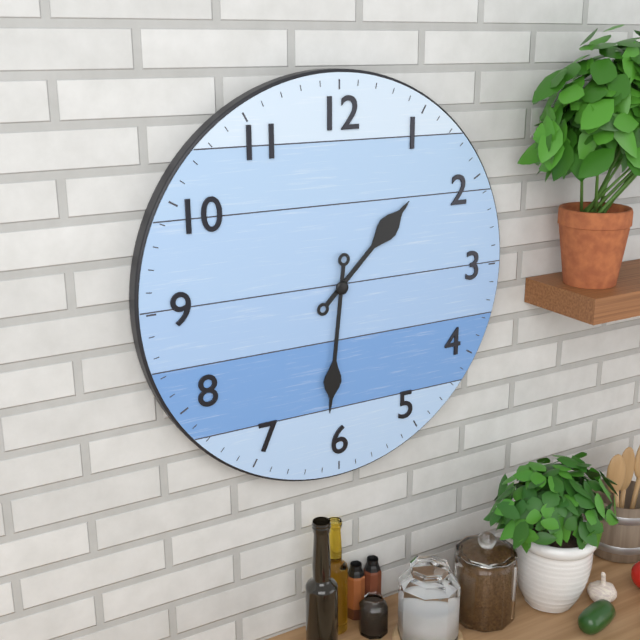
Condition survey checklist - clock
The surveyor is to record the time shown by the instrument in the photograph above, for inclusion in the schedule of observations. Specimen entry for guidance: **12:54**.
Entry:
**1:31**
